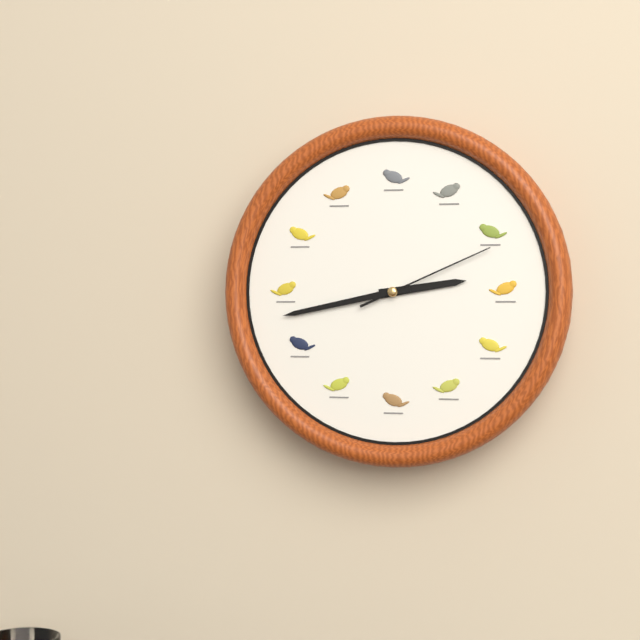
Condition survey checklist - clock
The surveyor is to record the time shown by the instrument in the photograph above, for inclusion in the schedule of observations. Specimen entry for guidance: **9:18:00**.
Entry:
**2:43:11**
